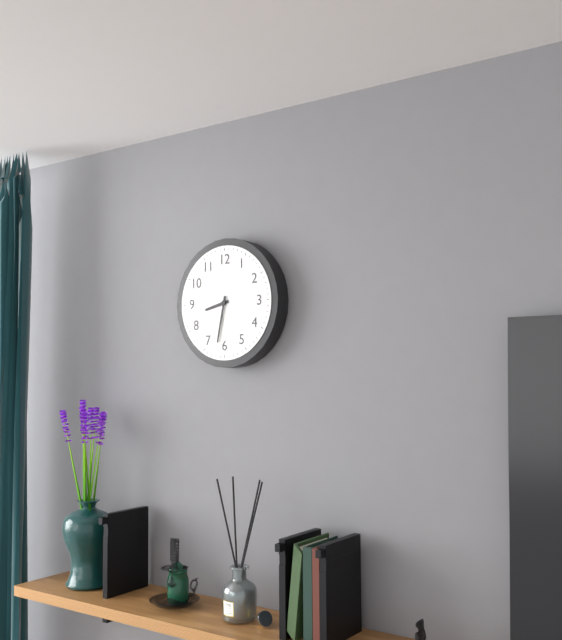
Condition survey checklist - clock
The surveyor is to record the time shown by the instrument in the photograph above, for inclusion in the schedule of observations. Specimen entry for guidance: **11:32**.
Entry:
**8:32**
